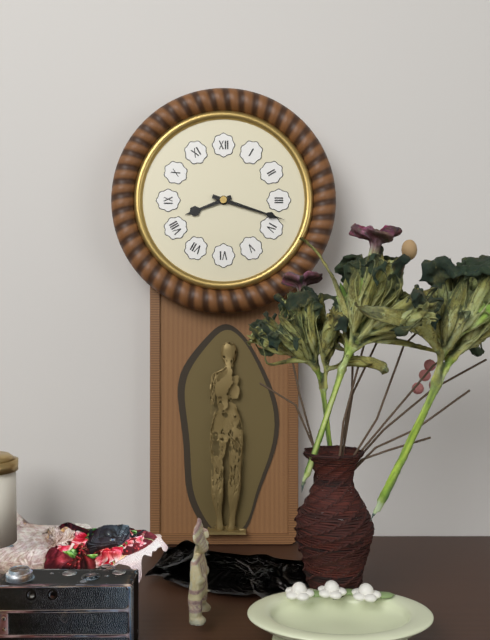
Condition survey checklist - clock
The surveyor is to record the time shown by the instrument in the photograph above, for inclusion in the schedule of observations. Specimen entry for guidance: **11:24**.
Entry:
**8:18**
